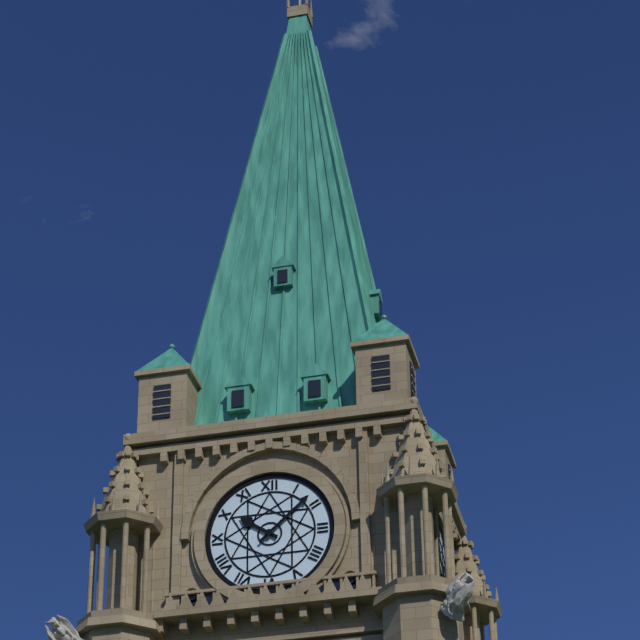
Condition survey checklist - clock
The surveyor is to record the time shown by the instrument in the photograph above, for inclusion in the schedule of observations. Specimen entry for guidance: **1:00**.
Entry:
**10:08**
